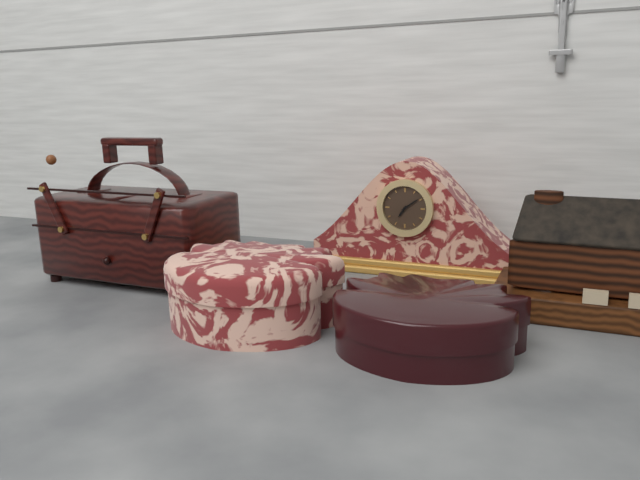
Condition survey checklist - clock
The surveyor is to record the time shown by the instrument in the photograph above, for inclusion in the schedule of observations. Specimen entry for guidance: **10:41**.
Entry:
**7:09**
